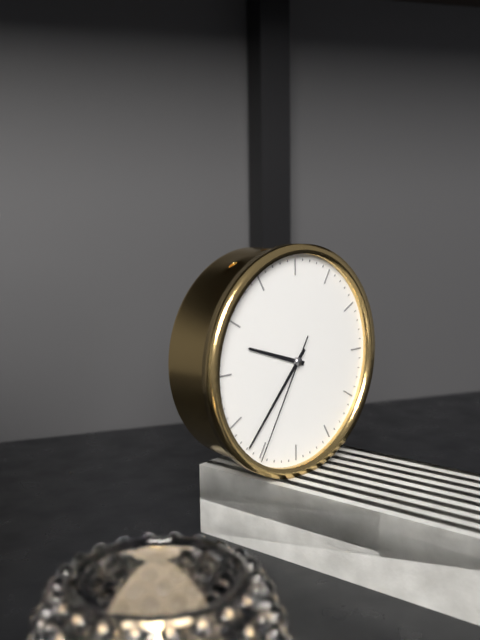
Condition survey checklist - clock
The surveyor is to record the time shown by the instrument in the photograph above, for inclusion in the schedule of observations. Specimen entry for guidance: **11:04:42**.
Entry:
**9:37:35**
